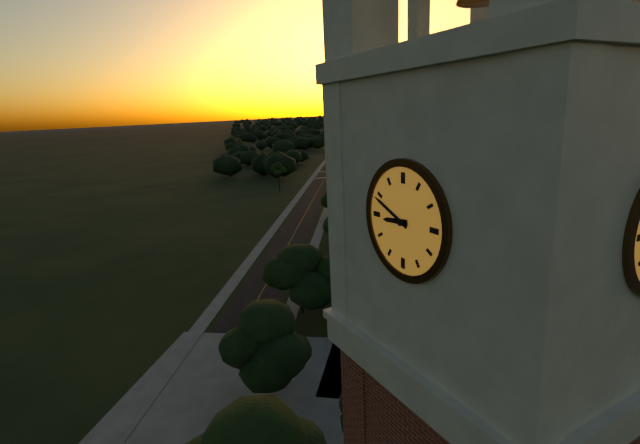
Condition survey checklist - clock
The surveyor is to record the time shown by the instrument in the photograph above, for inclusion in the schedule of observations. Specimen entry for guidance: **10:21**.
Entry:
**8:49**
